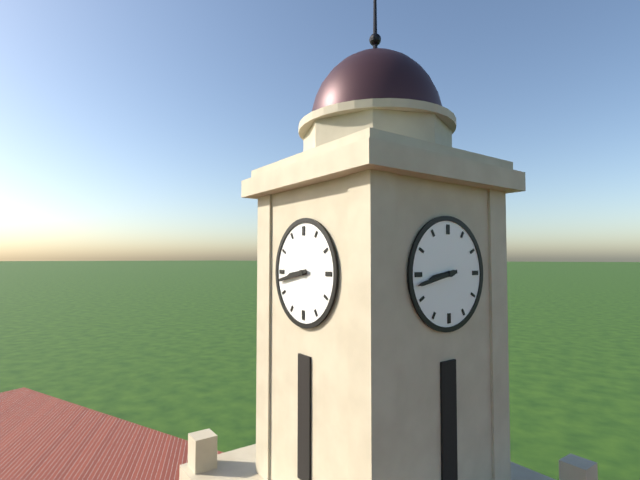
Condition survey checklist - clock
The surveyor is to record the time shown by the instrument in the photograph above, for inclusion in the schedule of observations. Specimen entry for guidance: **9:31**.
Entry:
**8:43**
